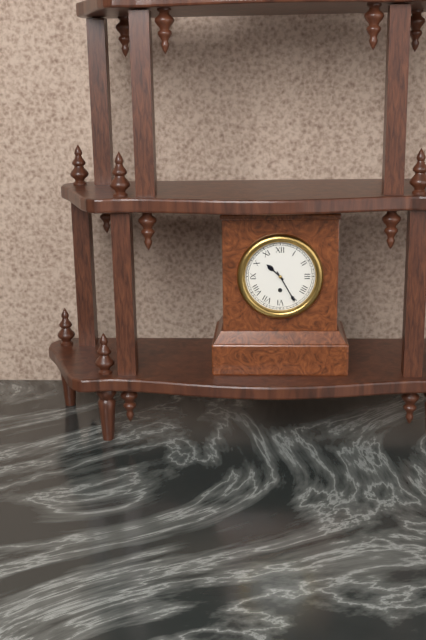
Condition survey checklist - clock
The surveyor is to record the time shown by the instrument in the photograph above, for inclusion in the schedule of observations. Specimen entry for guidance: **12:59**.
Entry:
**10:25**
